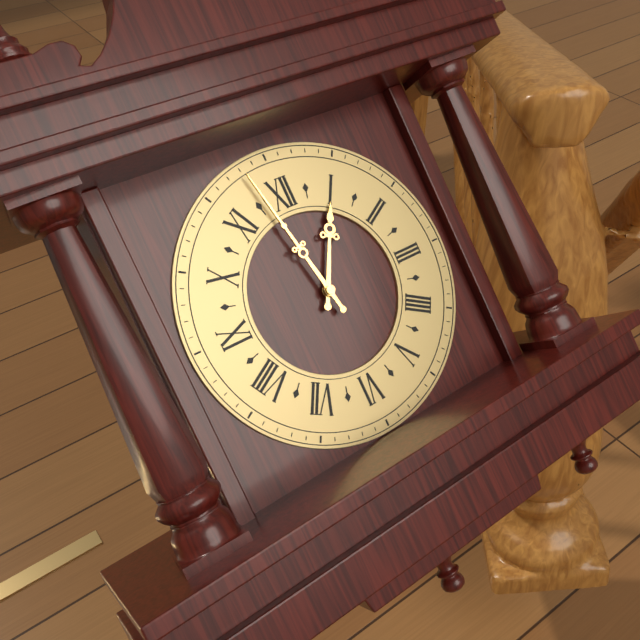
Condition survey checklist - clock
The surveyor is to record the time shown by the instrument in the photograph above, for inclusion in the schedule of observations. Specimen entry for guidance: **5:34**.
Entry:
**12:58**
